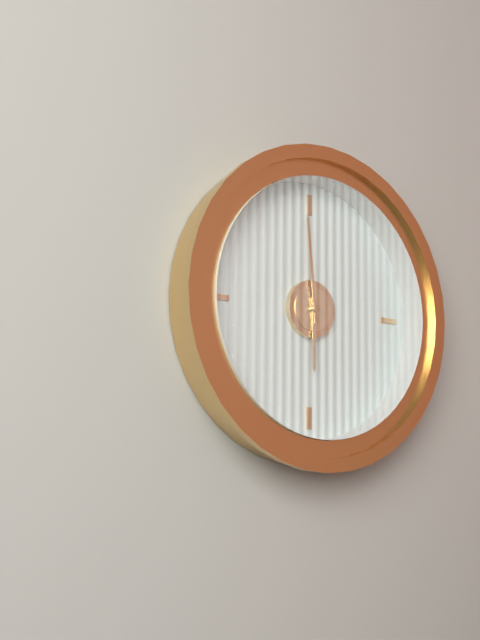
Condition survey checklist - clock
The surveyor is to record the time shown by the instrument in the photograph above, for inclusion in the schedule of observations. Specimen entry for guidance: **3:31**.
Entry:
**5:59**
